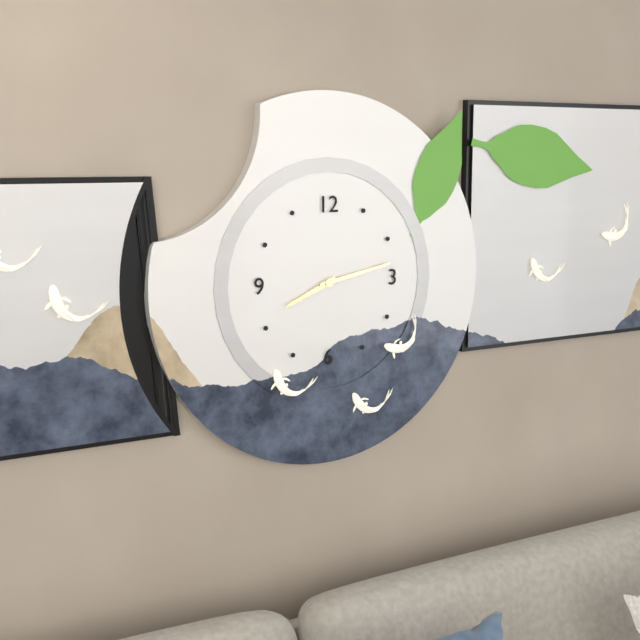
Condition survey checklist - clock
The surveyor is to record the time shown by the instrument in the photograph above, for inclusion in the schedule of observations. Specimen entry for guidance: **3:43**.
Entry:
**8:13**
